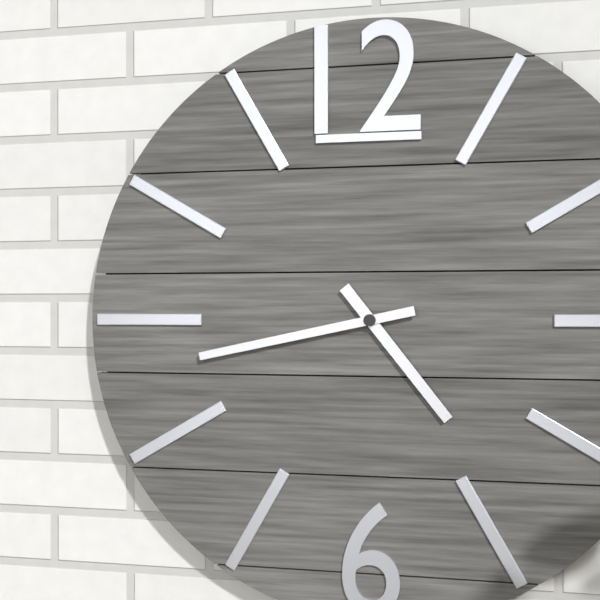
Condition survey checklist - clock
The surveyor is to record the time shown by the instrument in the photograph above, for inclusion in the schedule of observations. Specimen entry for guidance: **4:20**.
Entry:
**4:43**
